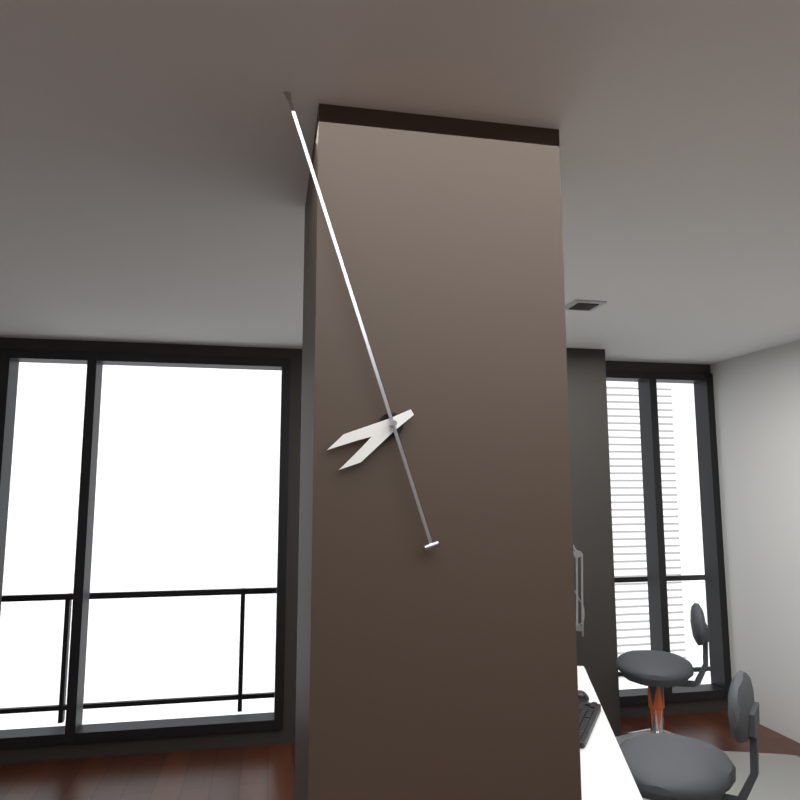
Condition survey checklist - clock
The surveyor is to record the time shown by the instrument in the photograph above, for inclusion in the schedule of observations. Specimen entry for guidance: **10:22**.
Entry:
**7:57**
